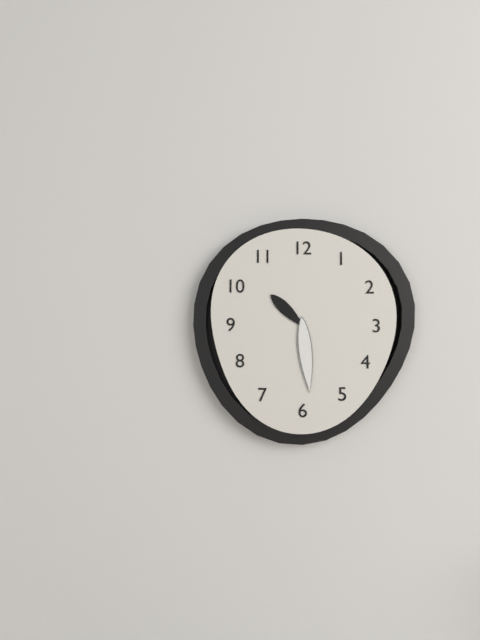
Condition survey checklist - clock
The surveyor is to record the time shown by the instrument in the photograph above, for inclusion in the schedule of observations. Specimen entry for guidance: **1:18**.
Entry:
**10:29**
